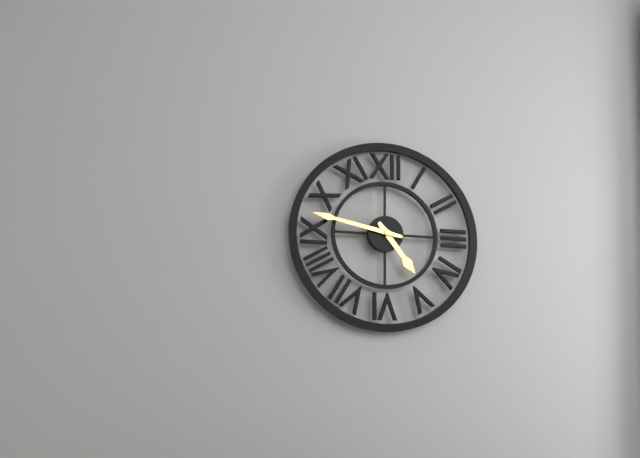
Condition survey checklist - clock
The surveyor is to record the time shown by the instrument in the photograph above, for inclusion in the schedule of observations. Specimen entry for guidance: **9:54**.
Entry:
**4:47**
